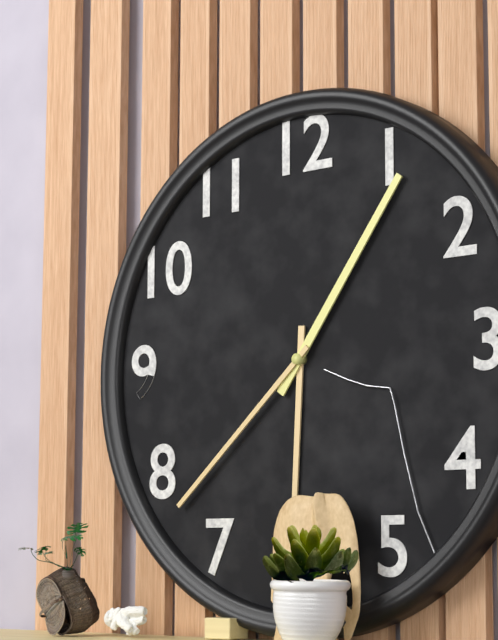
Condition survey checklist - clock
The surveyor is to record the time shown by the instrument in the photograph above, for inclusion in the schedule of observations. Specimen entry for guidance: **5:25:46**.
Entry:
**6:06:38**
